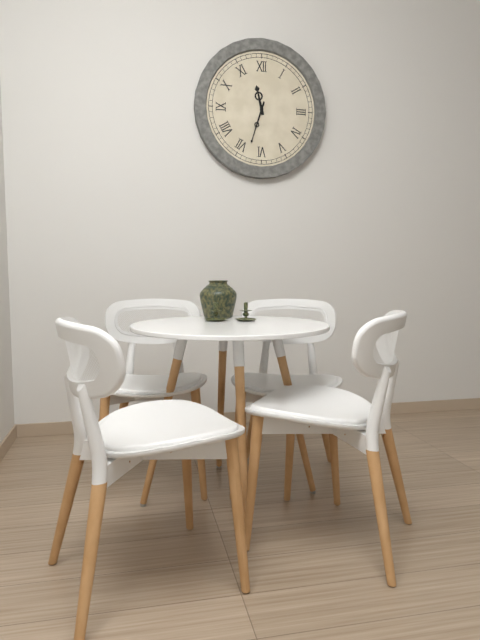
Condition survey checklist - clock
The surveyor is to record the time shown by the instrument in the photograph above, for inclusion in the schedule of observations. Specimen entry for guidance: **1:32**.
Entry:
**11:33**
